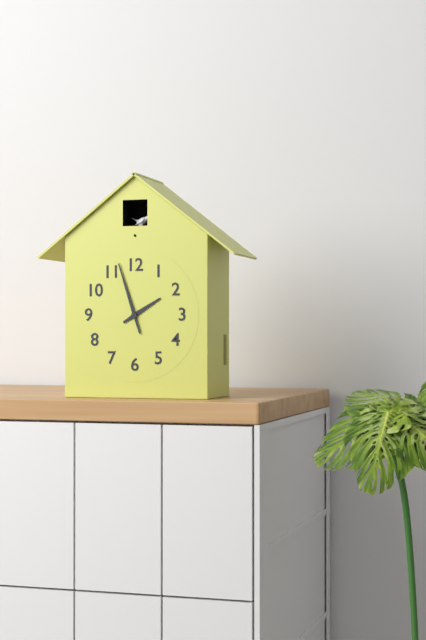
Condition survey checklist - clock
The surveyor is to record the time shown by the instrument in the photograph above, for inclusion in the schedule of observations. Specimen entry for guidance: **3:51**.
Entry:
**1:57**
